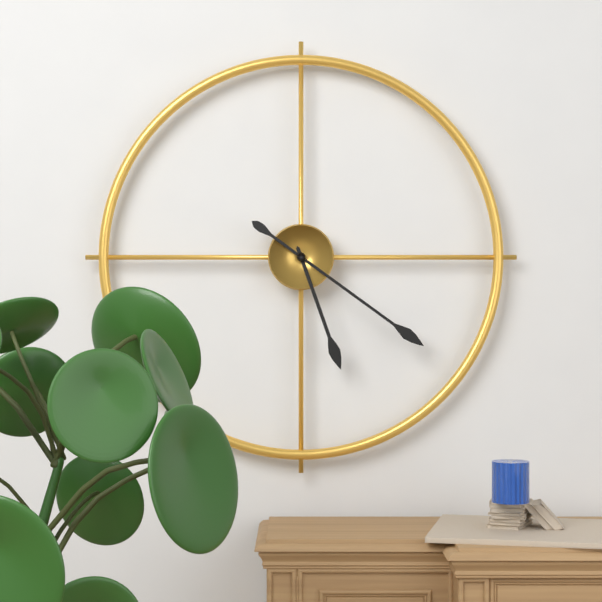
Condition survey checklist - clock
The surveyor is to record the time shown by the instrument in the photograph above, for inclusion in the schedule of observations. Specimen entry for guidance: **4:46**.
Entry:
**5:21**
